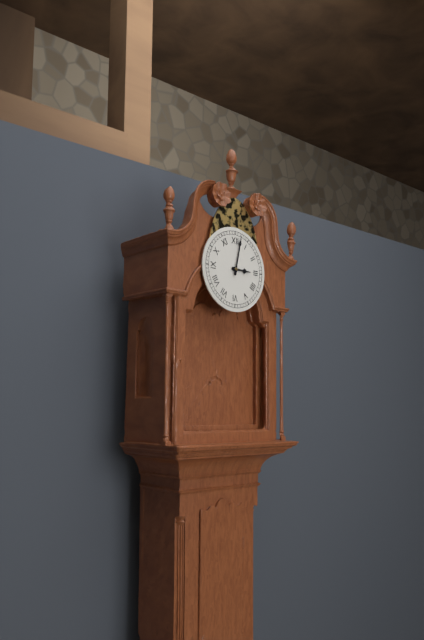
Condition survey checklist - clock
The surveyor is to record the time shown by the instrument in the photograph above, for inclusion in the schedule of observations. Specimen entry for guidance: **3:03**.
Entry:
**3:02**
